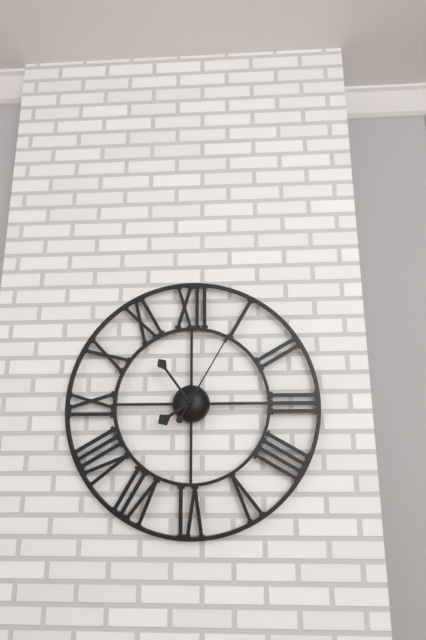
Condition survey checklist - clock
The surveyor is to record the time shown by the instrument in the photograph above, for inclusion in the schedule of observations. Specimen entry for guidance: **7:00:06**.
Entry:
**7:54:05**
